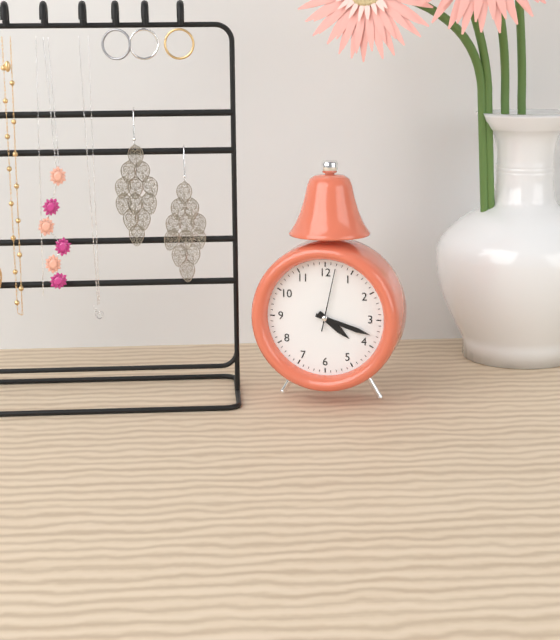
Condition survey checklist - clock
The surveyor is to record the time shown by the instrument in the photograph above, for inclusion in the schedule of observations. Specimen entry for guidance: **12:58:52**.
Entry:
**4:18:02**
